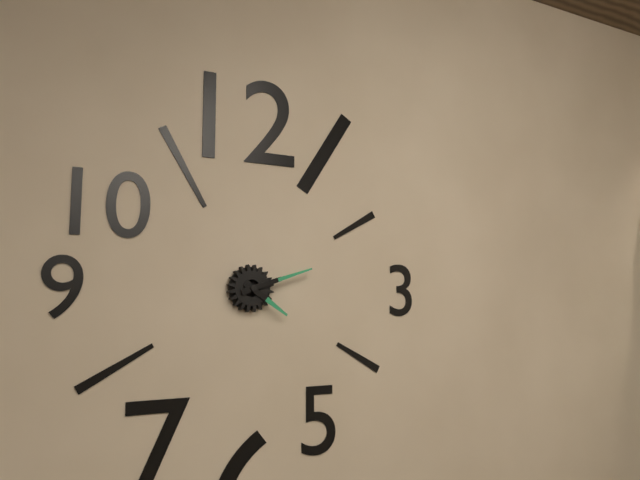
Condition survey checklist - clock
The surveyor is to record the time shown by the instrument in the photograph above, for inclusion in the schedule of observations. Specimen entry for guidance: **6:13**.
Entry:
**4:12**
